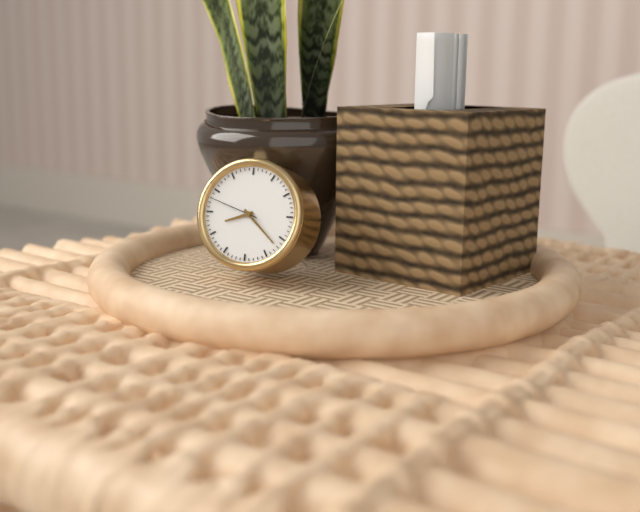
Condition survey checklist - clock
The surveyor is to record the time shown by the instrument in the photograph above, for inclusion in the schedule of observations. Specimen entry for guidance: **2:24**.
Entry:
**8:22**
